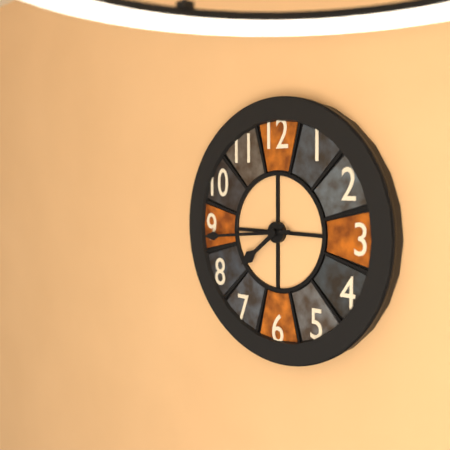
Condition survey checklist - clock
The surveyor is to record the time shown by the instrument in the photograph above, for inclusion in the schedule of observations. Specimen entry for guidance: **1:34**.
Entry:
**7:44**
